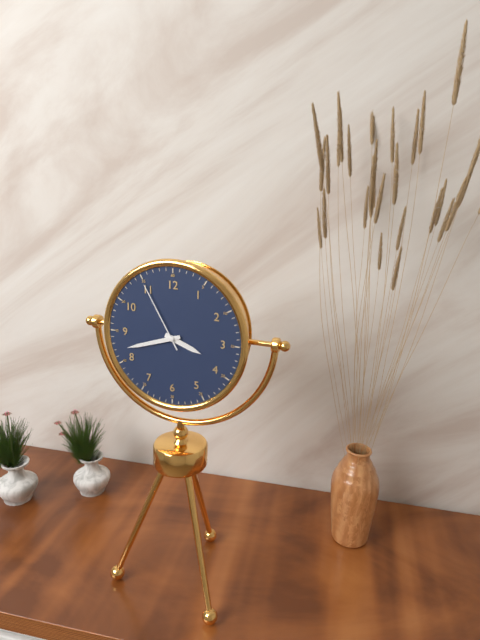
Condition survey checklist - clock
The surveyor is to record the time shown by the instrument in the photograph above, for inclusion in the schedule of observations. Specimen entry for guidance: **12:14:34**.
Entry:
**3:42:55**
